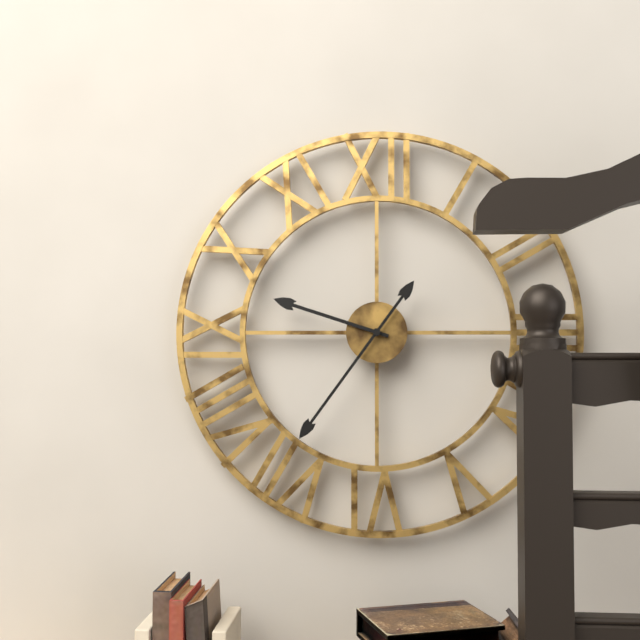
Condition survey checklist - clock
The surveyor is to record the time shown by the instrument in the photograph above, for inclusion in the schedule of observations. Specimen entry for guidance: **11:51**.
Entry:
**9:36**
